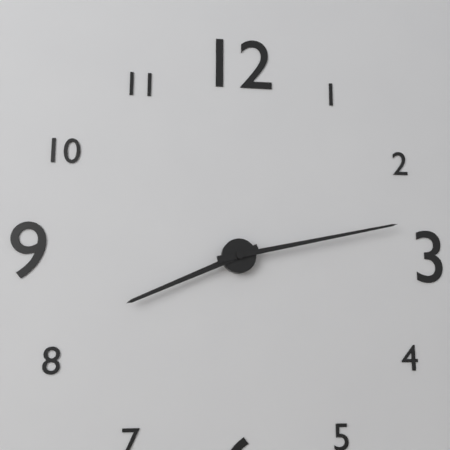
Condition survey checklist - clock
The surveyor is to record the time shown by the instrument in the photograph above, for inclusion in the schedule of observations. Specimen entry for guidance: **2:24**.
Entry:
**8:13**
